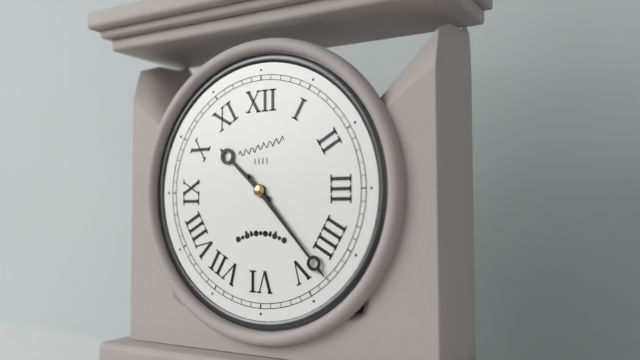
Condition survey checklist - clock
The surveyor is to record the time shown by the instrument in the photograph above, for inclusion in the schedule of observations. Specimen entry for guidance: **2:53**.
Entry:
**10:23**
